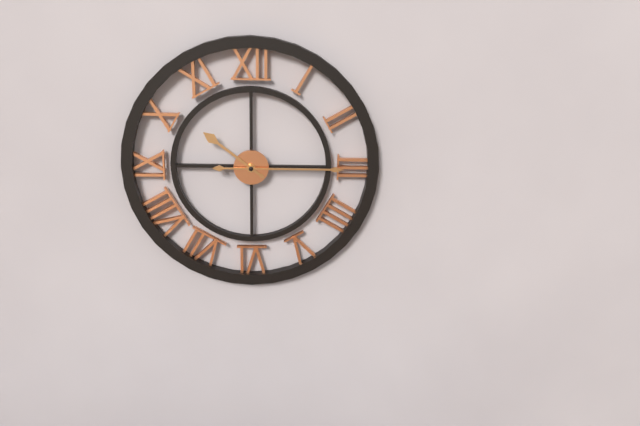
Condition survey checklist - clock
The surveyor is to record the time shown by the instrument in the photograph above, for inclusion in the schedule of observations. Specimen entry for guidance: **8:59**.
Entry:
**10:15**
